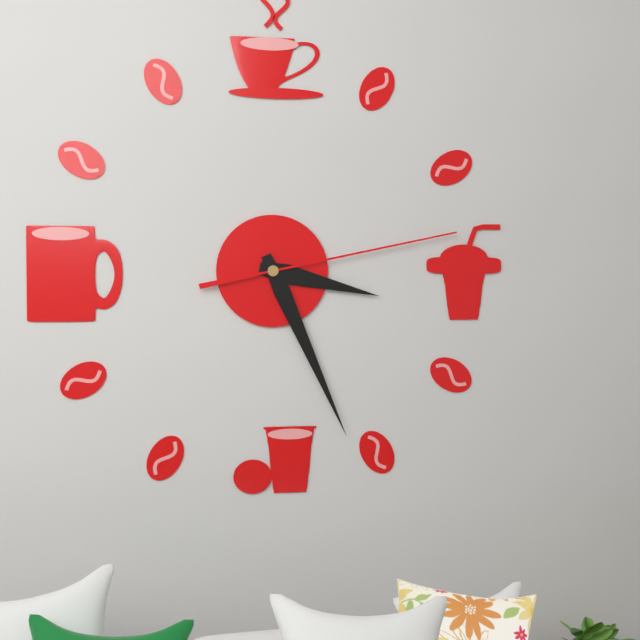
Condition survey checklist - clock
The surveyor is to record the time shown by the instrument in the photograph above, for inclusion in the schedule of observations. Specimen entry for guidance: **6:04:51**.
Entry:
**3:26:13**
